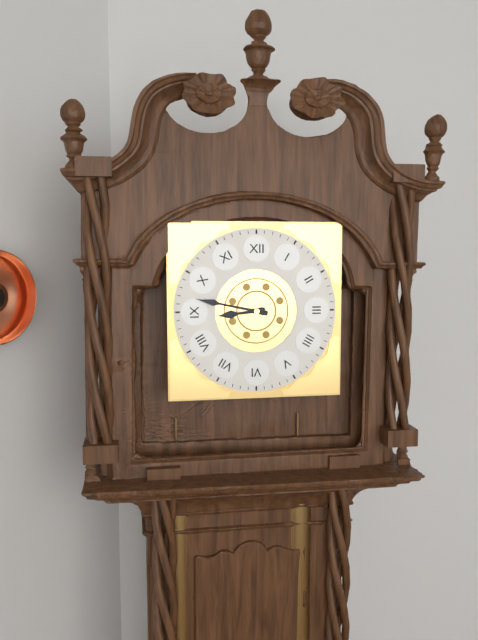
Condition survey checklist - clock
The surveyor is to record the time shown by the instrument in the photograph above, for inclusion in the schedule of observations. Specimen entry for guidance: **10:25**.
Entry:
**8:47**
